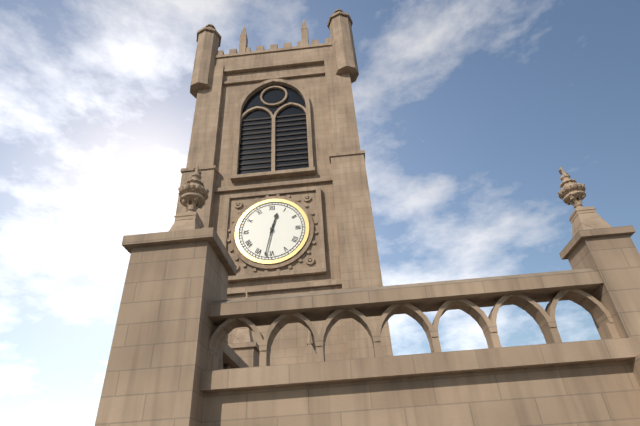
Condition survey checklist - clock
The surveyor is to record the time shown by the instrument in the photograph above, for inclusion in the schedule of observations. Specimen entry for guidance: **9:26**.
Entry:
**12:32**
